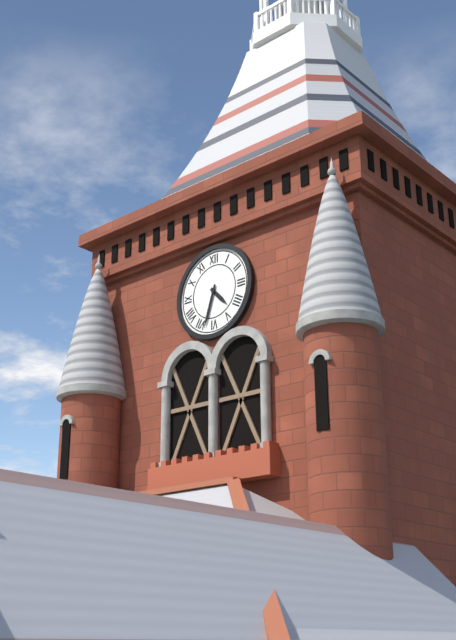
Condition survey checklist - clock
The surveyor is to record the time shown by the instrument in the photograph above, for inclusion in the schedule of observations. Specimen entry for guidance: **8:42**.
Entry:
**4:33**
